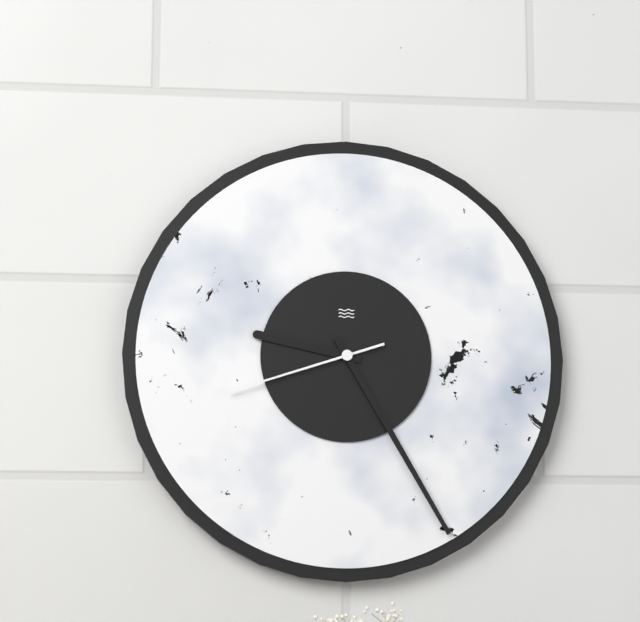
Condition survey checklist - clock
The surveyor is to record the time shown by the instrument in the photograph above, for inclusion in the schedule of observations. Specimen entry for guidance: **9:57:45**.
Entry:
**9:25:42**
